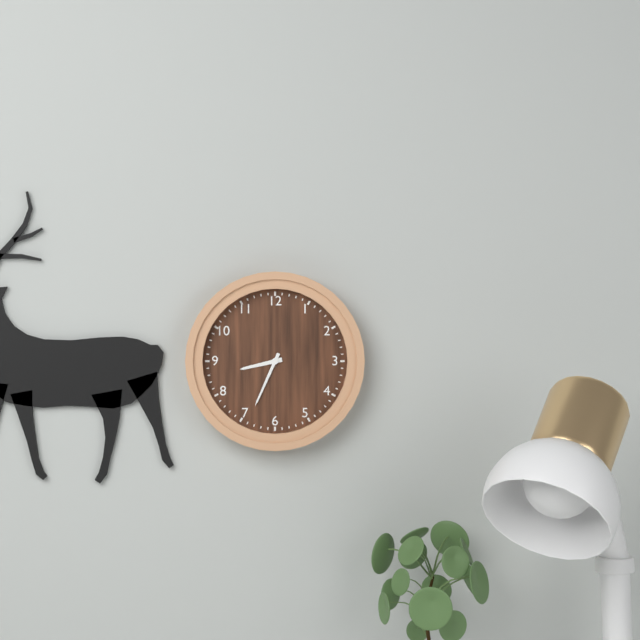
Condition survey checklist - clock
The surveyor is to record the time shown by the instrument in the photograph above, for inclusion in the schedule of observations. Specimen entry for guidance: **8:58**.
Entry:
**8:34**
